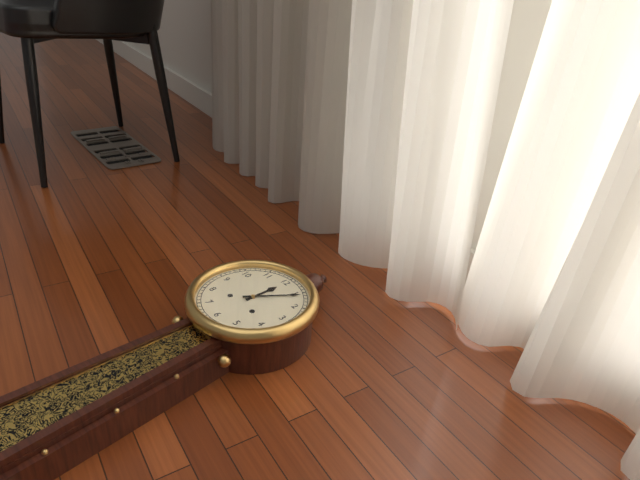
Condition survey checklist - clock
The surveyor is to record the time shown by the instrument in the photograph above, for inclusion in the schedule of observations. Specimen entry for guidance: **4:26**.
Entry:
**12:06**
